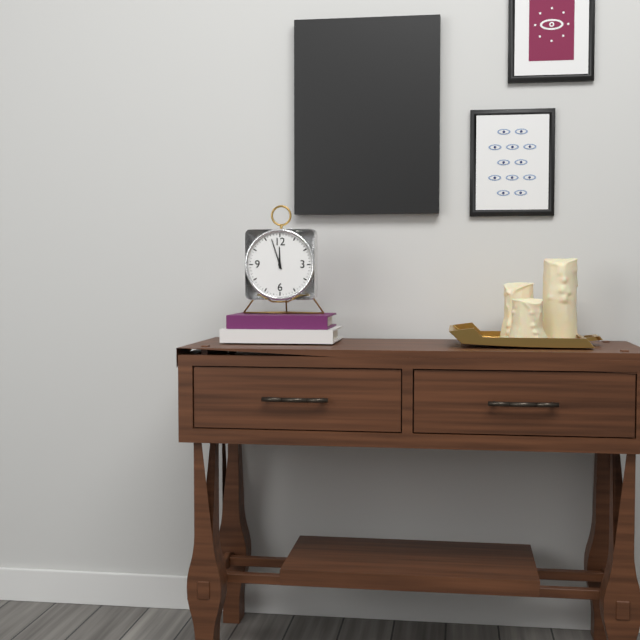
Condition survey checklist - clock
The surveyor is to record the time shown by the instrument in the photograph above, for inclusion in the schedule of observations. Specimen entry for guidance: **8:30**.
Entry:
**11:57**
